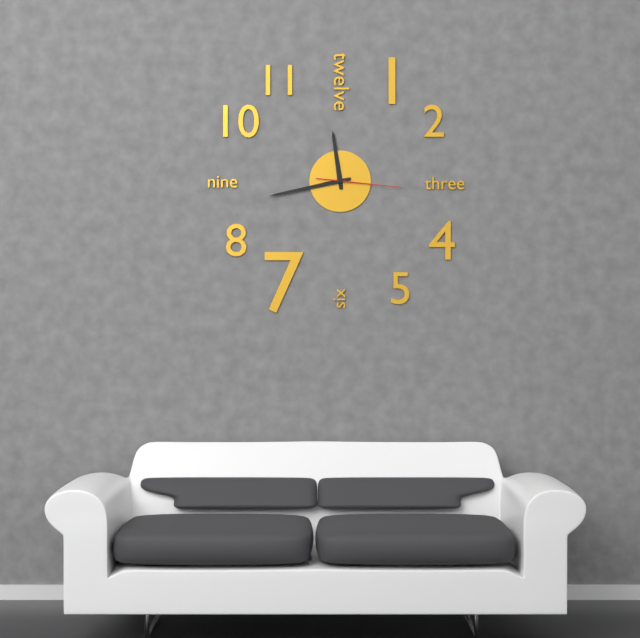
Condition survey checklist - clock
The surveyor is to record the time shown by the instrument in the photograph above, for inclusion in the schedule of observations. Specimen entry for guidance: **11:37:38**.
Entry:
**11:43:16**
